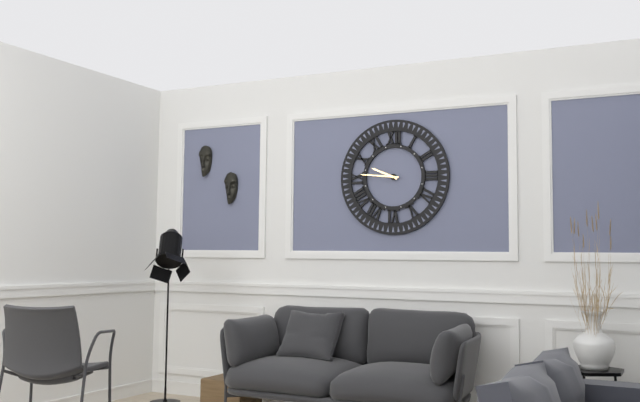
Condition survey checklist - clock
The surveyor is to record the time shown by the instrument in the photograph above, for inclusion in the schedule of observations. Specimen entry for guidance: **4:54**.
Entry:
**9:46**
